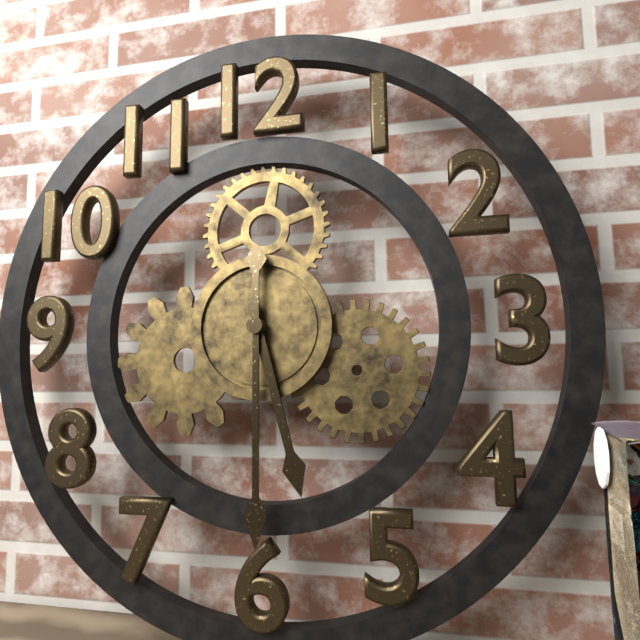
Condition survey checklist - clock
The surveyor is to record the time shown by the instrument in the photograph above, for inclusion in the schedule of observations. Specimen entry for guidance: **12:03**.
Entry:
**5:30**
